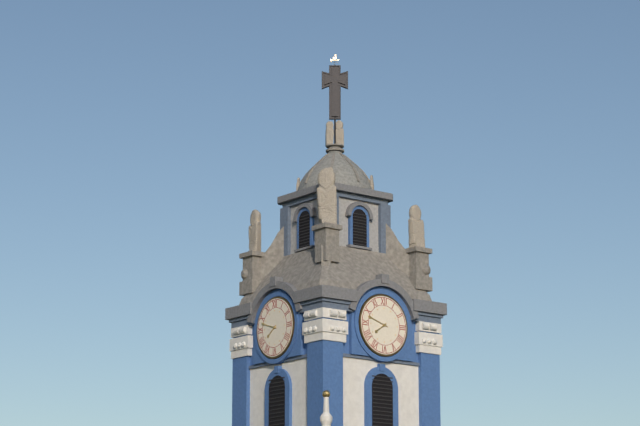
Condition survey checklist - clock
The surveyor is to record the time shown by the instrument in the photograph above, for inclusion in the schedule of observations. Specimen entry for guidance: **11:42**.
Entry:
**7:48**
